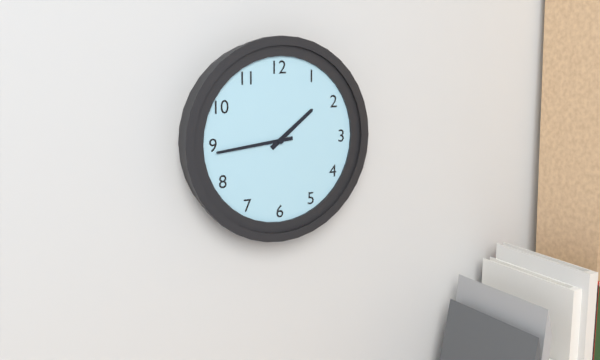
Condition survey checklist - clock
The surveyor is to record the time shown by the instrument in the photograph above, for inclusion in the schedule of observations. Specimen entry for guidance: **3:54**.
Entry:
**1:44**
